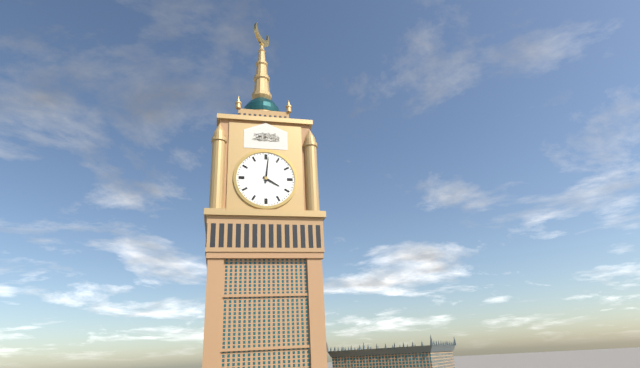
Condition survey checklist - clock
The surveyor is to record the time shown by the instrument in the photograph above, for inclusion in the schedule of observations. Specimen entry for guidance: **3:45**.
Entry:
**4:01**
